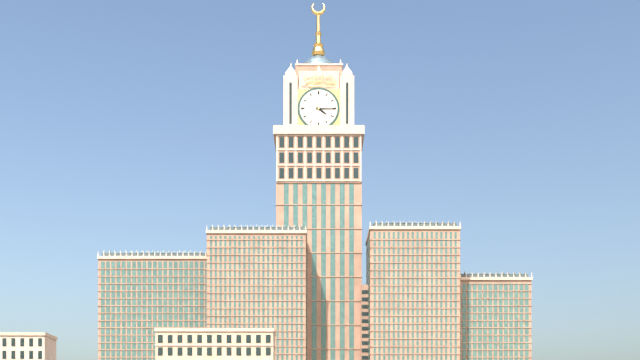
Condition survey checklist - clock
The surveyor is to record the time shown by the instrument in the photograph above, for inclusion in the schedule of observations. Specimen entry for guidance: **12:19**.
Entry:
**4:15**
